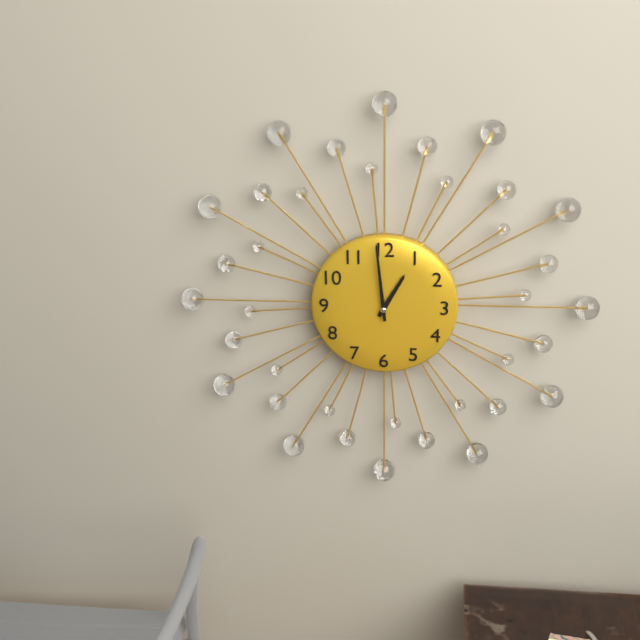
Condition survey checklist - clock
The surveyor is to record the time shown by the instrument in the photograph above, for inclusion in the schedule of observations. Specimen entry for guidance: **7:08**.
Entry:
**12:59**
